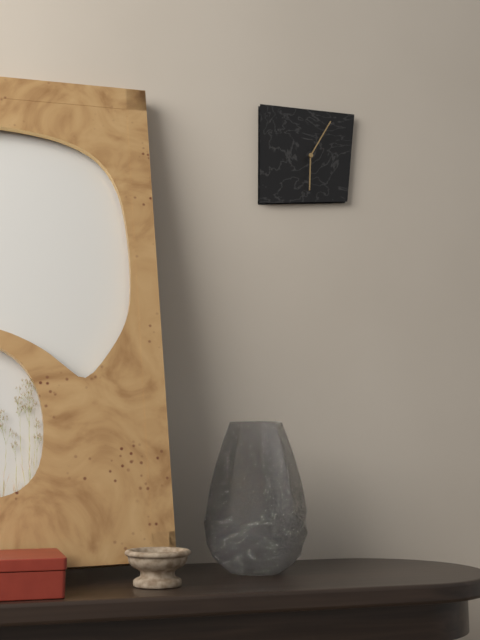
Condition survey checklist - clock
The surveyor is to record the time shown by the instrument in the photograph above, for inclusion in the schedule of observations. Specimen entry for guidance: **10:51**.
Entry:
**6:05**
